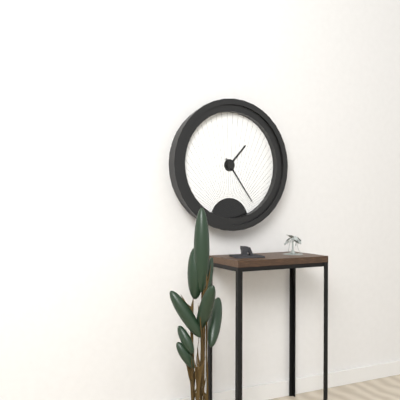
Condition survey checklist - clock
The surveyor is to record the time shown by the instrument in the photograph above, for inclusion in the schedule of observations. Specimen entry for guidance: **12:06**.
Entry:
**1:24**
